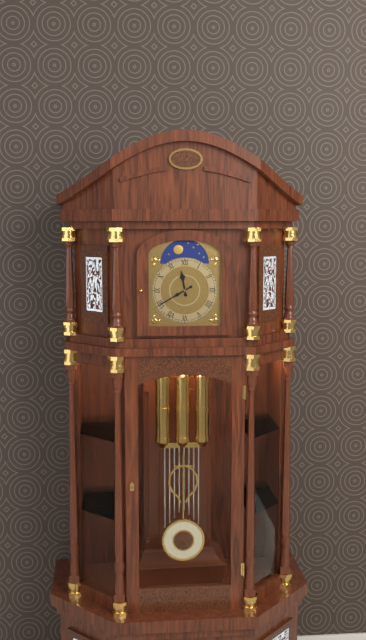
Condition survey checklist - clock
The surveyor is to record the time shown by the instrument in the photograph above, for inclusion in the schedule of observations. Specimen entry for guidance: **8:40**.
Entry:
**11:40**
